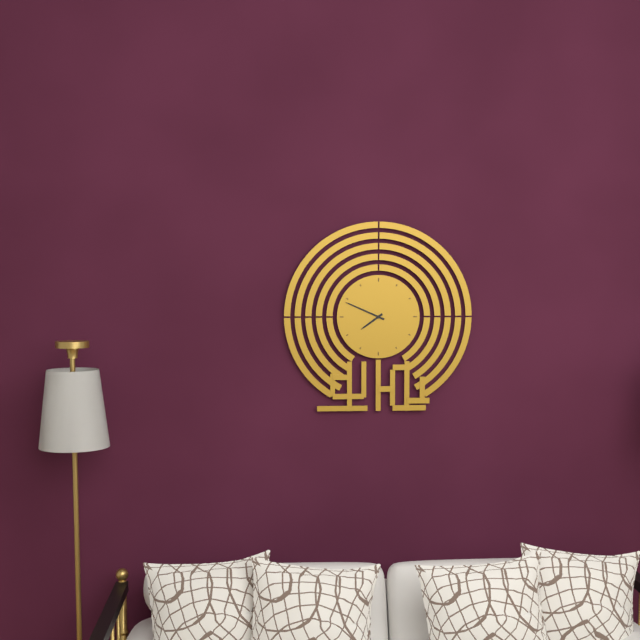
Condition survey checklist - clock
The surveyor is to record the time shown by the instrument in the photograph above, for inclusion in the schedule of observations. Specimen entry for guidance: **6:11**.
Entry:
**7:49**
